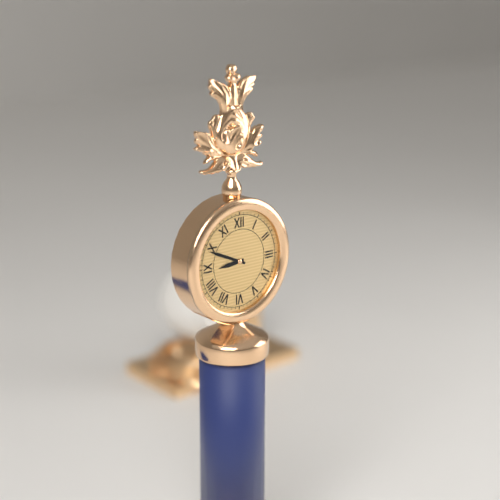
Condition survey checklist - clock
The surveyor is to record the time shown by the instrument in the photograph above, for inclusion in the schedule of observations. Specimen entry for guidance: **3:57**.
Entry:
**8:49**
